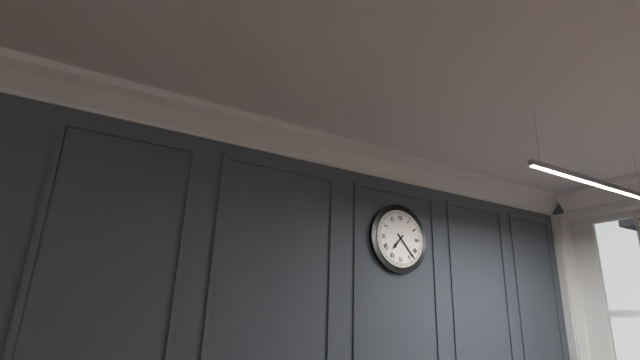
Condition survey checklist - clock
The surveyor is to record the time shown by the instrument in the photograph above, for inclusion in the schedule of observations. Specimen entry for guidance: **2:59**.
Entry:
**7:23**
